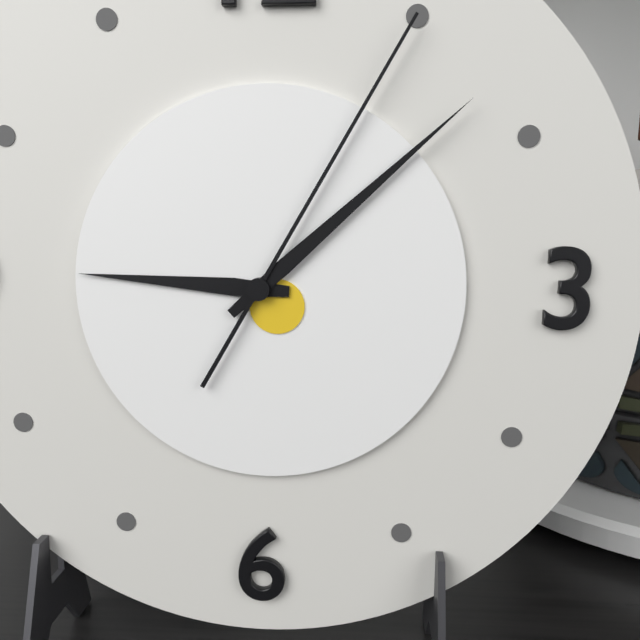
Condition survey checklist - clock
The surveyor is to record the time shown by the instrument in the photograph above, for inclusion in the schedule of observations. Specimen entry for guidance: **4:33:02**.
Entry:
**9:08:05**
